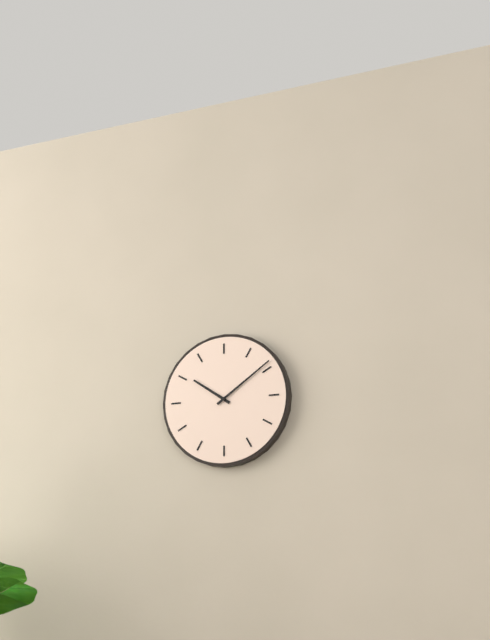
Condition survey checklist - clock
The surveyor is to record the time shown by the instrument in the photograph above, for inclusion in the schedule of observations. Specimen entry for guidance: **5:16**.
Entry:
**10:09**
